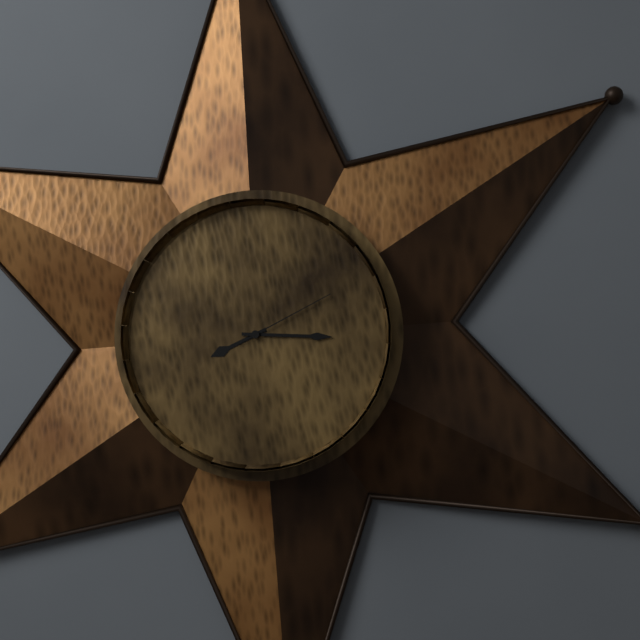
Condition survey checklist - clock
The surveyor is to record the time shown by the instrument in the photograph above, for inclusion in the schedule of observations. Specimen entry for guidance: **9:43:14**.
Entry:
**8:16:11**
